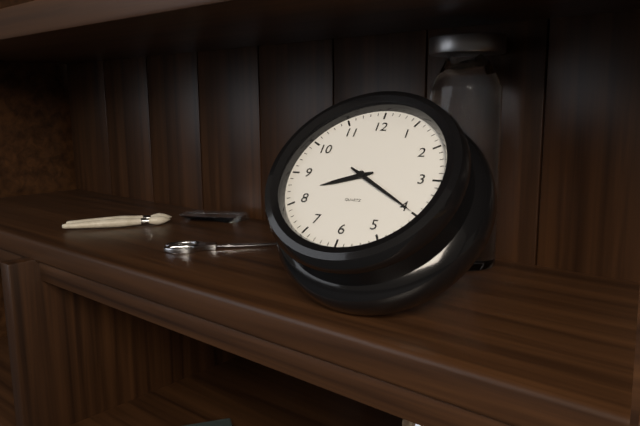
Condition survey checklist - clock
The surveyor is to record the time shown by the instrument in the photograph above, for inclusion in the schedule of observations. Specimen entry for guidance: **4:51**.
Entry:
**8:20**
